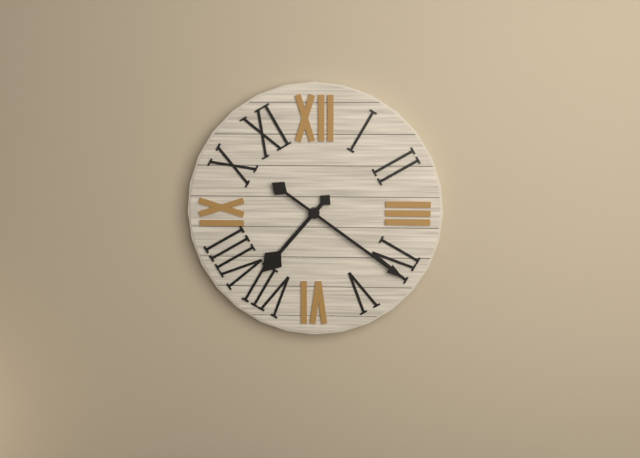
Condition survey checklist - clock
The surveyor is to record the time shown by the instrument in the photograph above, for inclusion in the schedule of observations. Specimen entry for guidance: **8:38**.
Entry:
**7:21**
